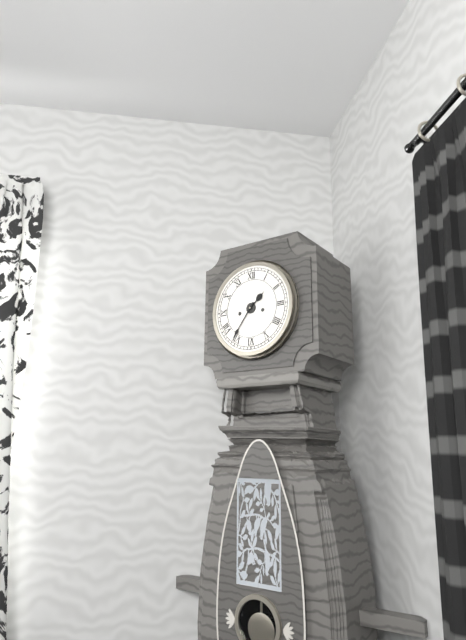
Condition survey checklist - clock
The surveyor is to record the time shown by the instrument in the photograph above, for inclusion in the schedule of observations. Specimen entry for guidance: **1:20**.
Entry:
**1:36**
